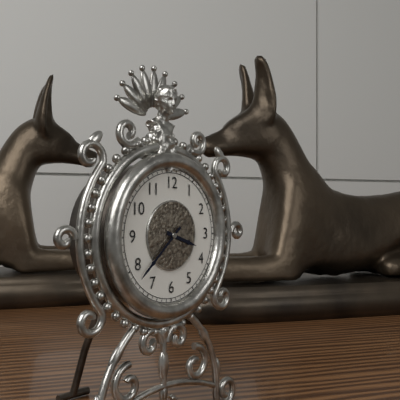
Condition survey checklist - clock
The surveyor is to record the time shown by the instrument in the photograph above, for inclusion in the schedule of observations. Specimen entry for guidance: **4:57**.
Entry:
**3:38**
